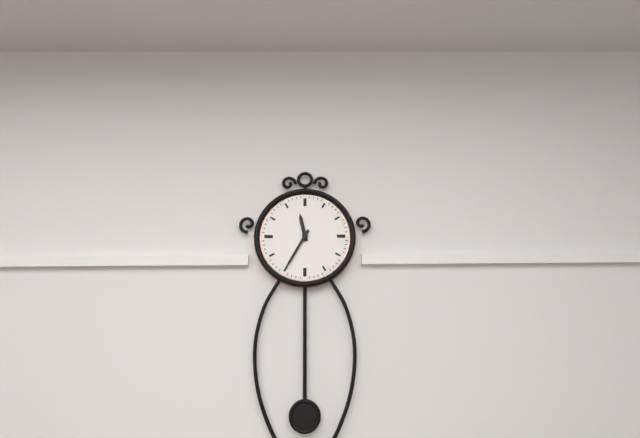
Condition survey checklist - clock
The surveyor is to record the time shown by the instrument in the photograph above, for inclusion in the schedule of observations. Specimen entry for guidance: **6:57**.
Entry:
**11:35**
